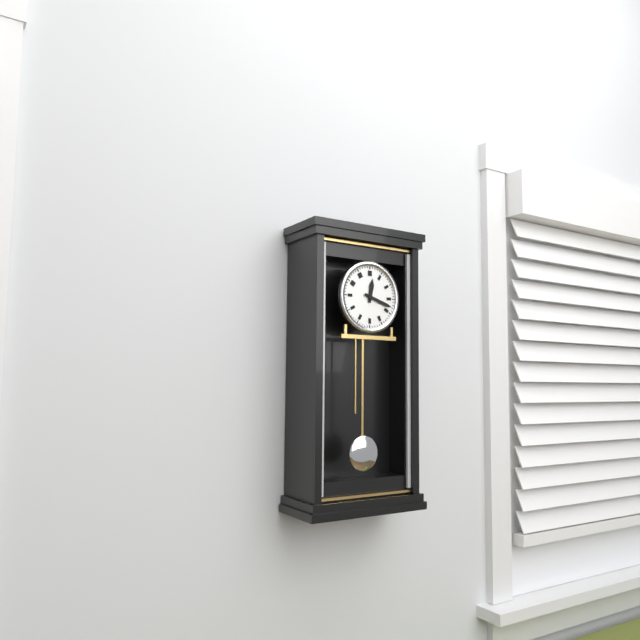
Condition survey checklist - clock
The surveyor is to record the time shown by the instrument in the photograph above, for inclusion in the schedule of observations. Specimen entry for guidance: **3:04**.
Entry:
**12:18**
